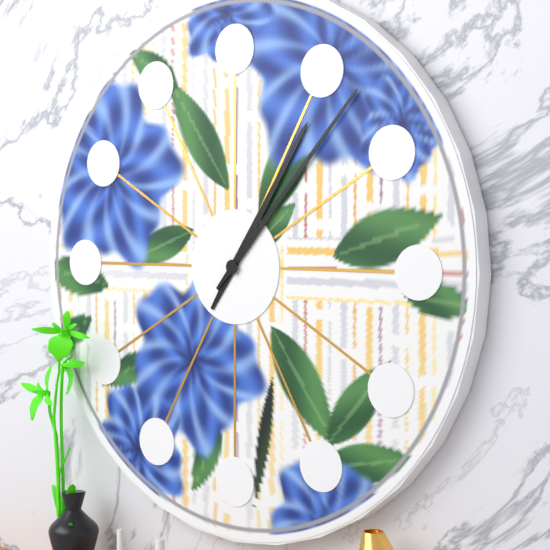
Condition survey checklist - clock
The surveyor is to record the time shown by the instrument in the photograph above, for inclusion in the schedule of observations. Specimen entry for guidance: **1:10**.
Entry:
**1:07**
